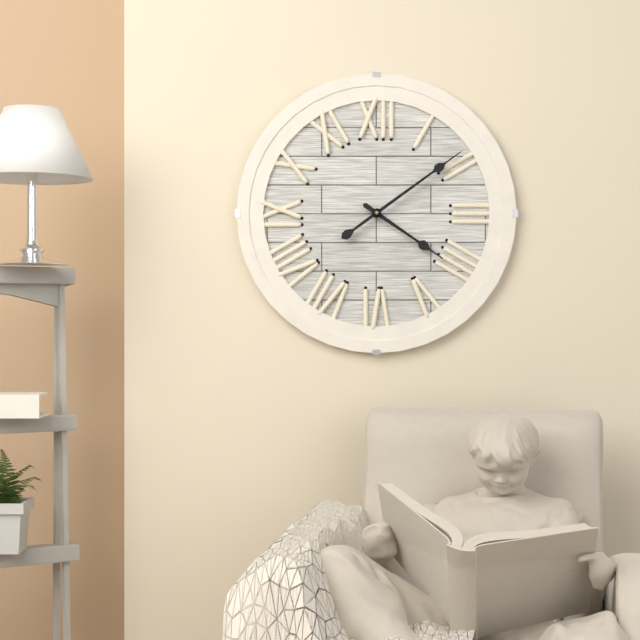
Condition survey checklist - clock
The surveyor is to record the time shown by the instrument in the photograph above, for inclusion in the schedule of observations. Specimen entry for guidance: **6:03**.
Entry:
**4:09**
